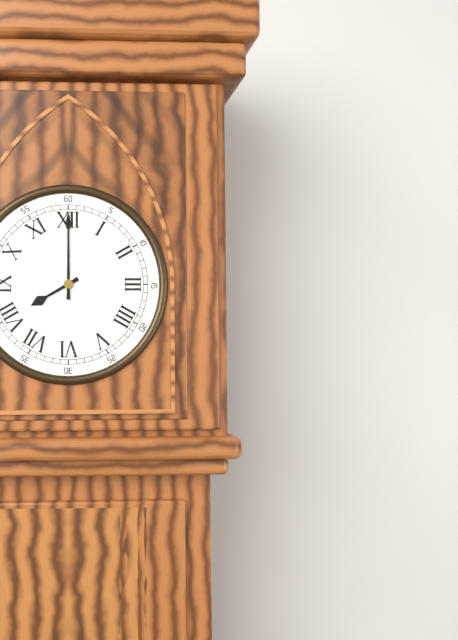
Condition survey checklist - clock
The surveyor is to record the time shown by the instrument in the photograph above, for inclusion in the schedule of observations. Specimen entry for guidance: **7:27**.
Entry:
**8:00**
